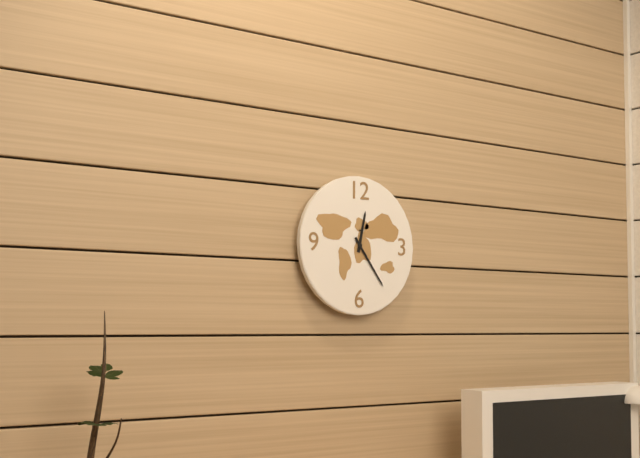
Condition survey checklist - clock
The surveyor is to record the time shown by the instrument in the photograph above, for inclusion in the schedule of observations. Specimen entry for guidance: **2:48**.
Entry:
**12:24**
